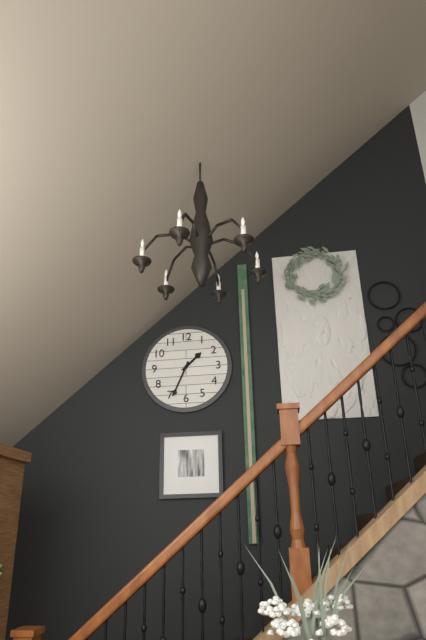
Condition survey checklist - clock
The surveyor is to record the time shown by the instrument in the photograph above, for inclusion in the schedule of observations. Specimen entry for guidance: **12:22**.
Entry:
**1:34**
